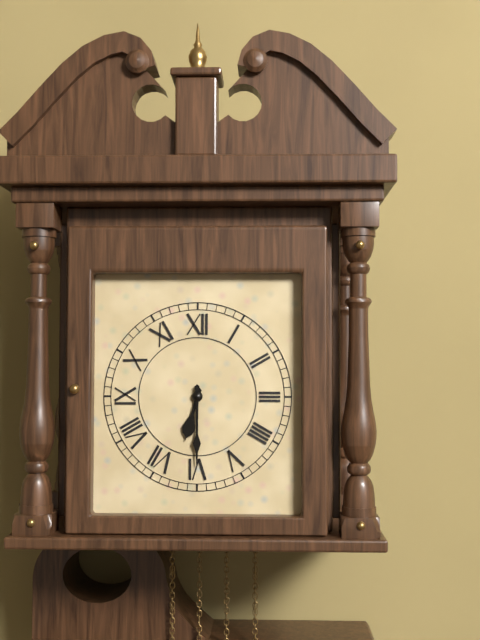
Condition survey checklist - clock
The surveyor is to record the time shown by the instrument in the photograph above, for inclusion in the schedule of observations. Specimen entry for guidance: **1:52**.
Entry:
**6:30**
